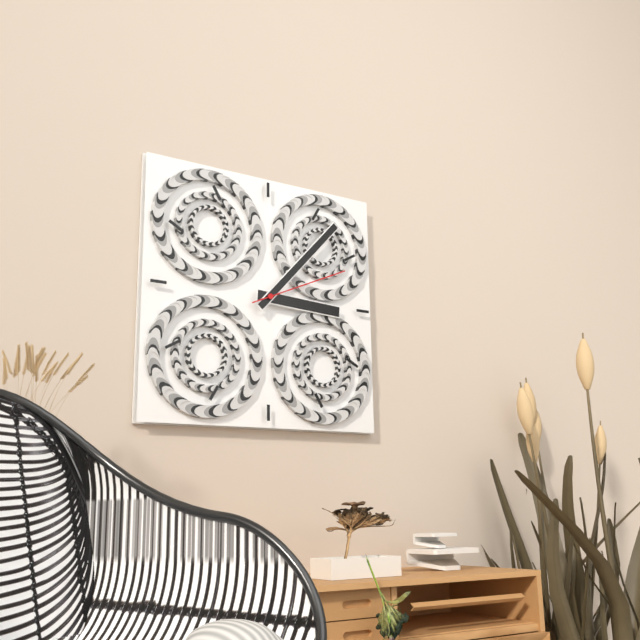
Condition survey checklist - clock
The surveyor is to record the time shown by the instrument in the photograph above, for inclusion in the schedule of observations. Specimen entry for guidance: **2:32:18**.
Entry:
**3:07:11**
